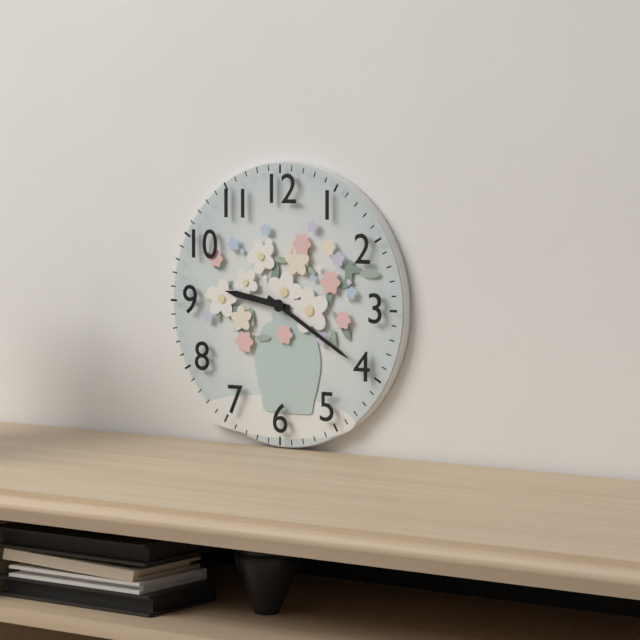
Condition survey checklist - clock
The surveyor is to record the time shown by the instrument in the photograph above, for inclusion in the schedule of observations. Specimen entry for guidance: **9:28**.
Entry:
**9:20**
